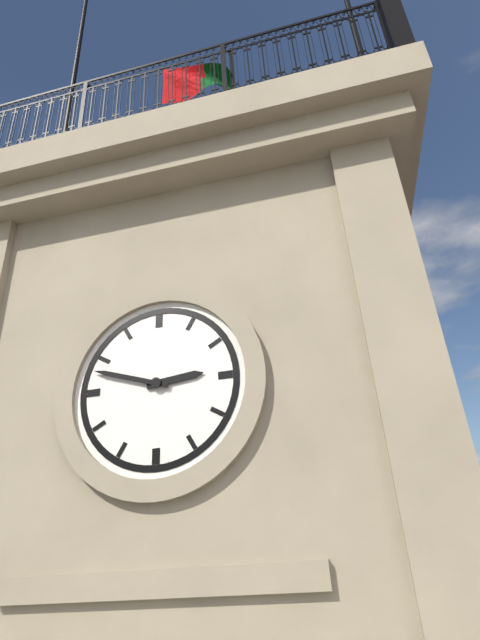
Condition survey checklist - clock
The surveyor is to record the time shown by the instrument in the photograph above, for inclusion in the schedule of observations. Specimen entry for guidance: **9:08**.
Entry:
**2:48**
